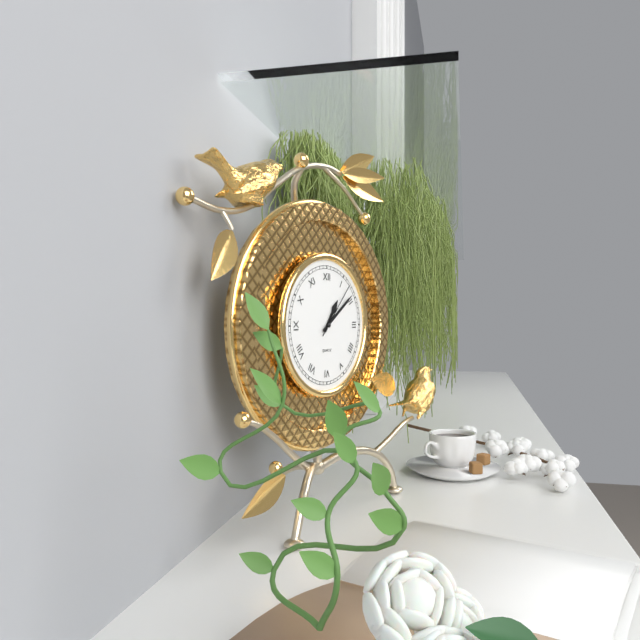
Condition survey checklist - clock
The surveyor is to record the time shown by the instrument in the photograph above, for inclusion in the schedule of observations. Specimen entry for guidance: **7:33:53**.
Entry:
**1:09:07**
